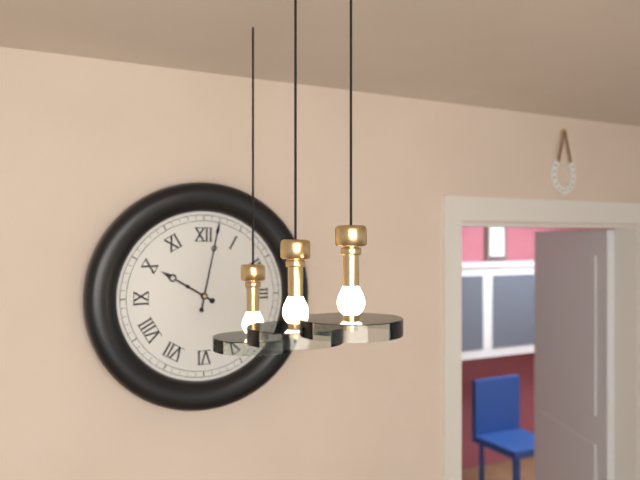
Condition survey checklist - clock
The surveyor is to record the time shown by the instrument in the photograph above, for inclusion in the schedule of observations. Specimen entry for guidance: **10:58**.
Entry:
**10:02**
